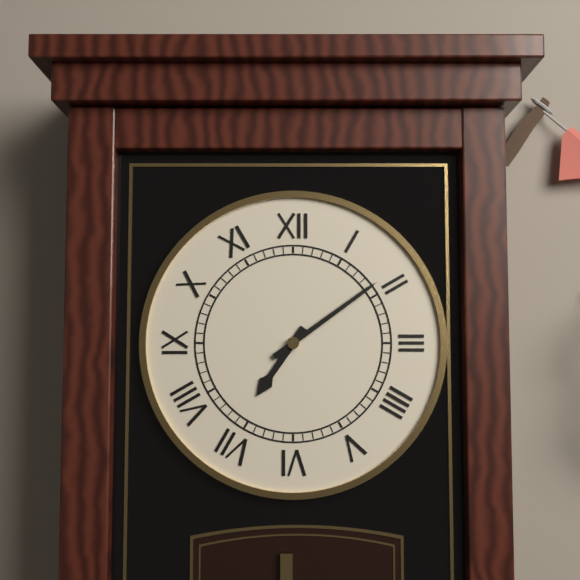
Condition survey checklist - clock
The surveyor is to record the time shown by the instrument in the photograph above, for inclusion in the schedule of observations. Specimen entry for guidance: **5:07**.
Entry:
**7:09**
